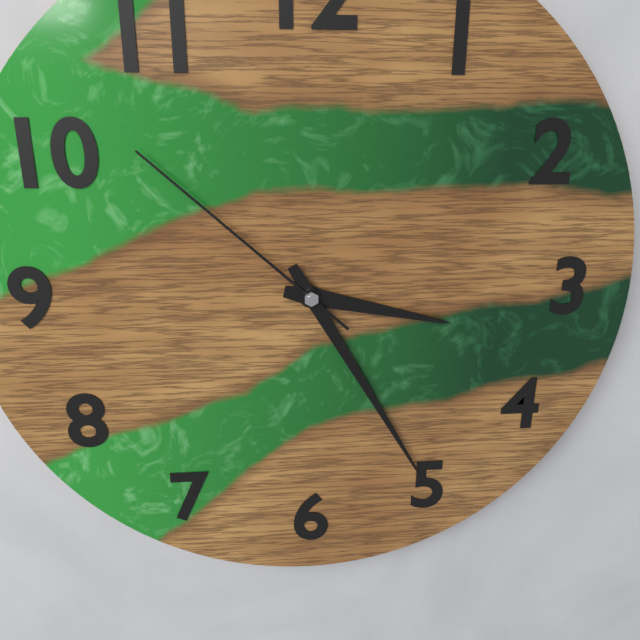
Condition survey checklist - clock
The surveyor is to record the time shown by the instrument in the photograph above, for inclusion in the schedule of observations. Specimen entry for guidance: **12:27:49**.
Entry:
**3:25:52**
